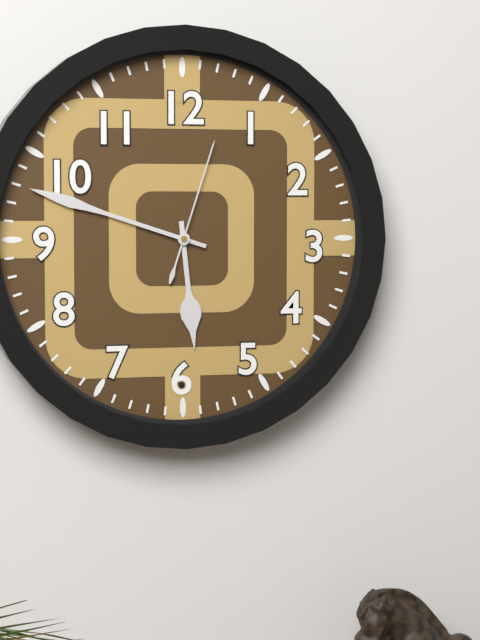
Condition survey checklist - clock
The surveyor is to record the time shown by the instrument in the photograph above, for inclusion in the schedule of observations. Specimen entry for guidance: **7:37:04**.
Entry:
**5:48:03**
